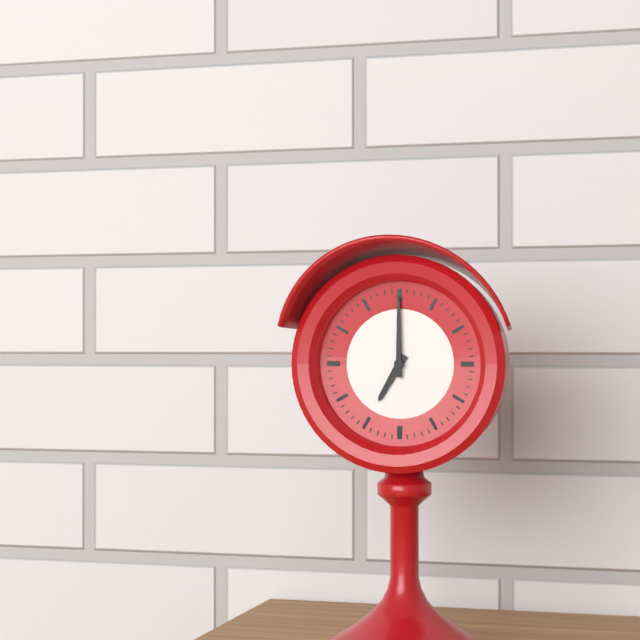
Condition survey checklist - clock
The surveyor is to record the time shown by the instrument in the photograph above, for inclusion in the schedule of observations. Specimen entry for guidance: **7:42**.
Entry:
**7:00**
